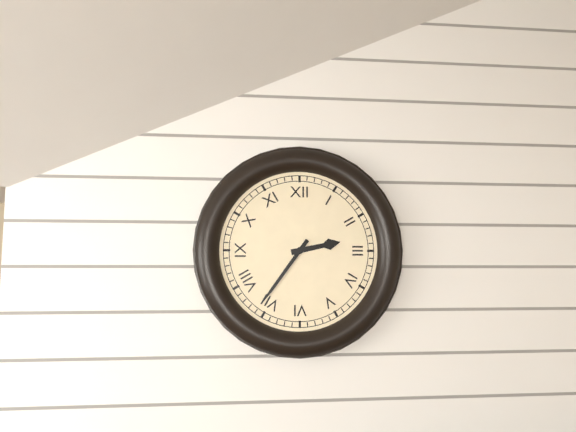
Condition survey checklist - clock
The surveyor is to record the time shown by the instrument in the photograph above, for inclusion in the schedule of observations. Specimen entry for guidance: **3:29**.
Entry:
**2:36**
